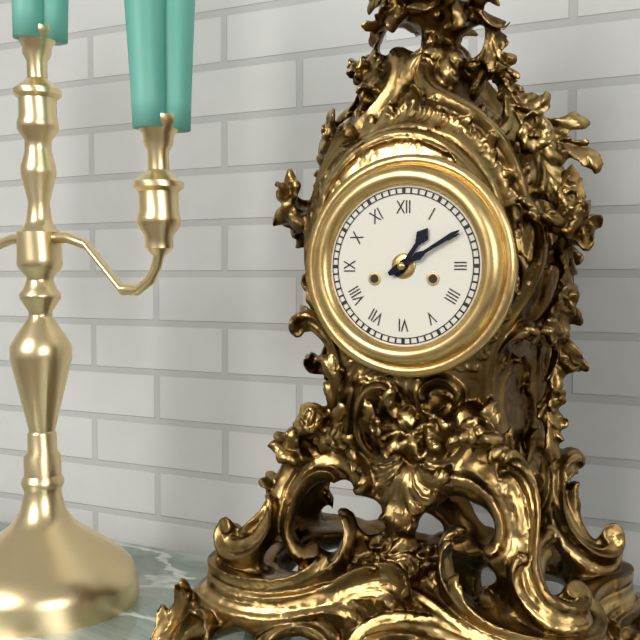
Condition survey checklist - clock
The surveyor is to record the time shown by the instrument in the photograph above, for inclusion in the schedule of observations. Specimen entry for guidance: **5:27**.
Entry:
**1:10**
